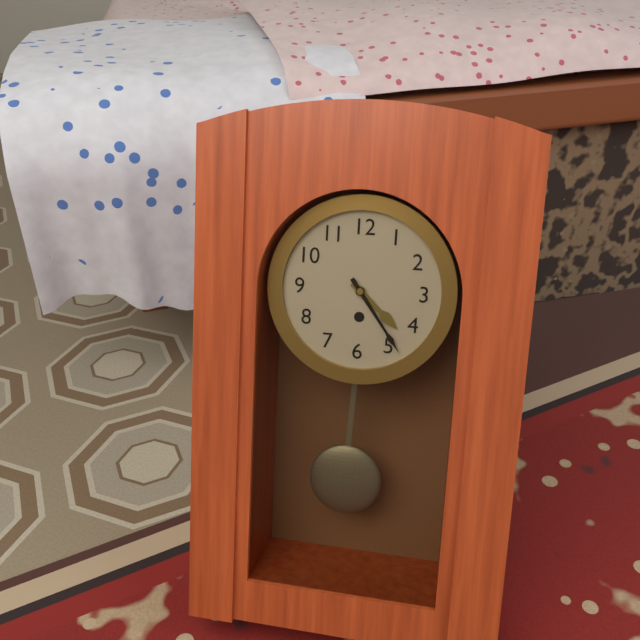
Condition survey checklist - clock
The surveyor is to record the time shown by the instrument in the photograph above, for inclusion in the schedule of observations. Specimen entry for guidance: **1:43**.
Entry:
**4:24**
